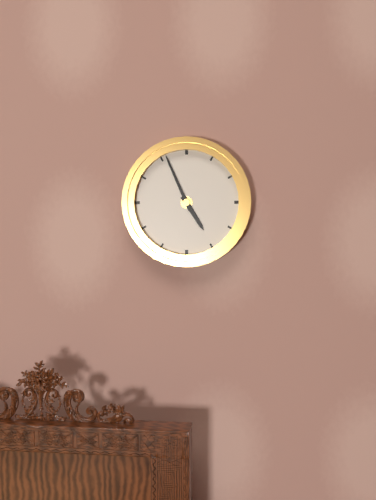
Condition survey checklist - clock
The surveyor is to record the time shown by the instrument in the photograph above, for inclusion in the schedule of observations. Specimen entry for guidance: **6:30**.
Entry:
**4:56**
